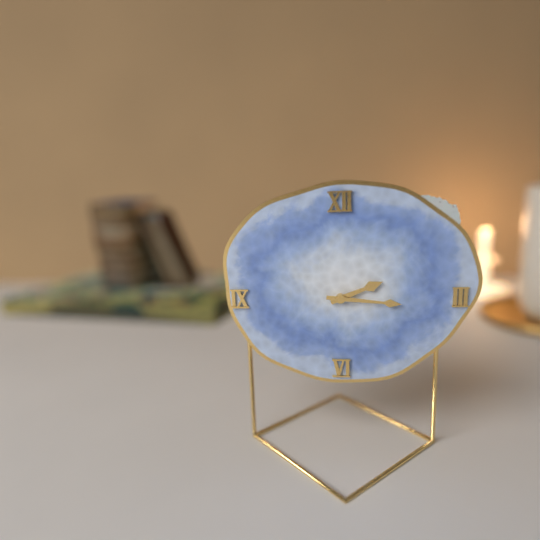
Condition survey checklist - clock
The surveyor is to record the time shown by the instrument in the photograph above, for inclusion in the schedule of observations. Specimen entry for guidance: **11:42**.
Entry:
**2:16**
